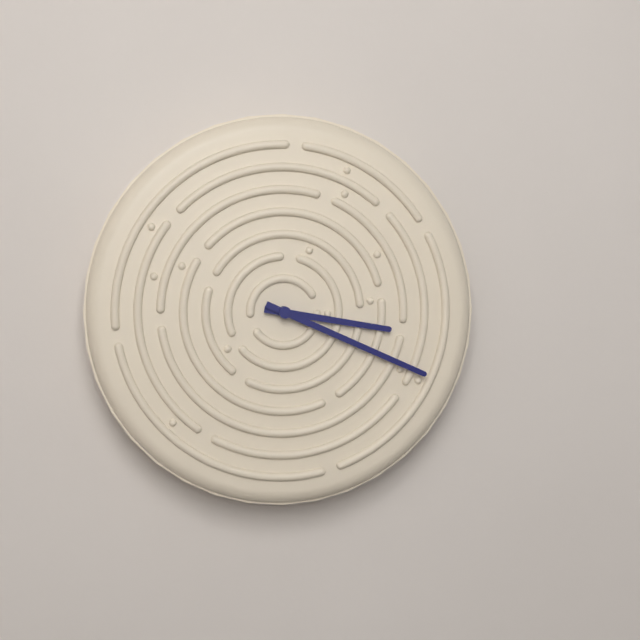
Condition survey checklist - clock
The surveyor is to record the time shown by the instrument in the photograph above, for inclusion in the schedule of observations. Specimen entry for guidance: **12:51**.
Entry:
**3:19**
